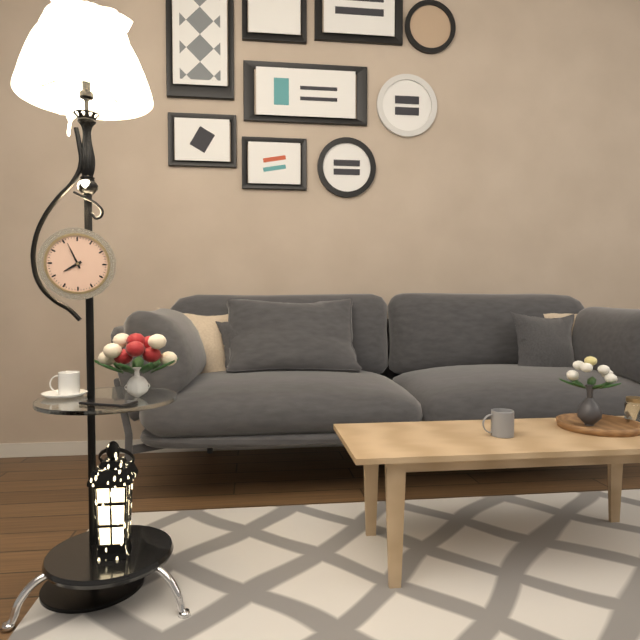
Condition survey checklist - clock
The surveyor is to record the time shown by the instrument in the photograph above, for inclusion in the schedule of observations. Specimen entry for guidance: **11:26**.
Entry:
**7:56**
